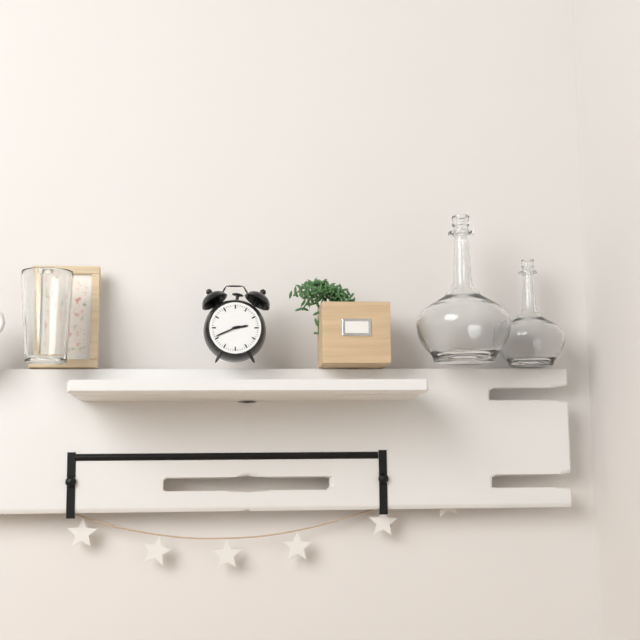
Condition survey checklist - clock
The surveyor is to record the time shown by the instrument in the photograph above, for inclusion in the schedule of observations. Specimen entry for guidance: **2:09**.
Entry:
**2:41**
